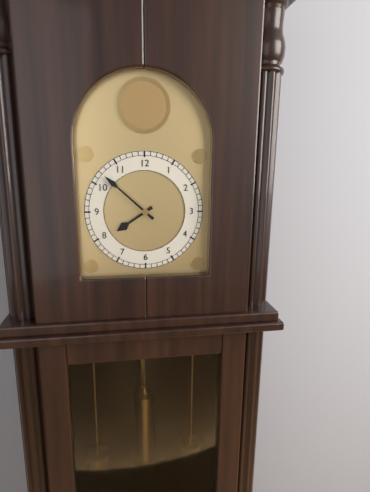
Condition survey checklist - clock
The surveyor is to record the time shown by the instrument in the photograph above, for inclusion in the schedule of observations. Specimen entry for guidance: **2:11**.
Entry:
**7:52**
